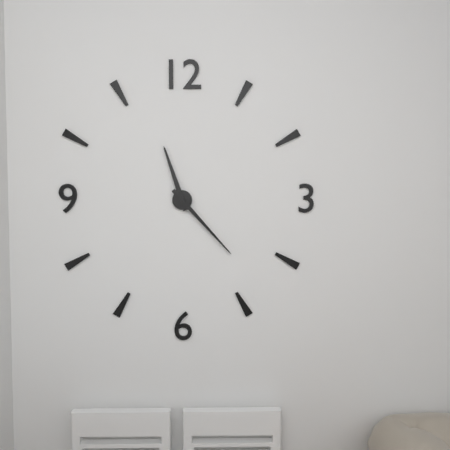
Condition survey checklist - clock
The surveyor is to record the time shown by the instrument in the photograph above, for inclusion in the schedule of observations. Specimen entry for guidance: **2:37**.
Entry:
**11:23**
